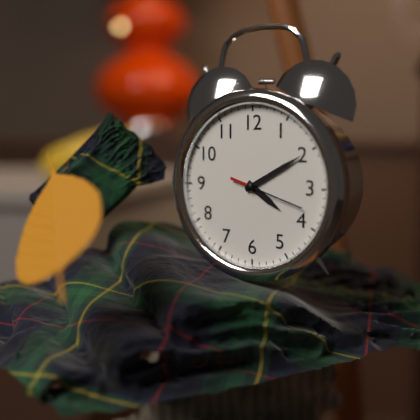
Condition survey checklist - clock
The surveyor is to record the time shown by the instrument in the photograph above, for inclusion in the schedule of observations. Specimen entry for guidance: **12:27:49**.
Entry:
**4:10:18**
